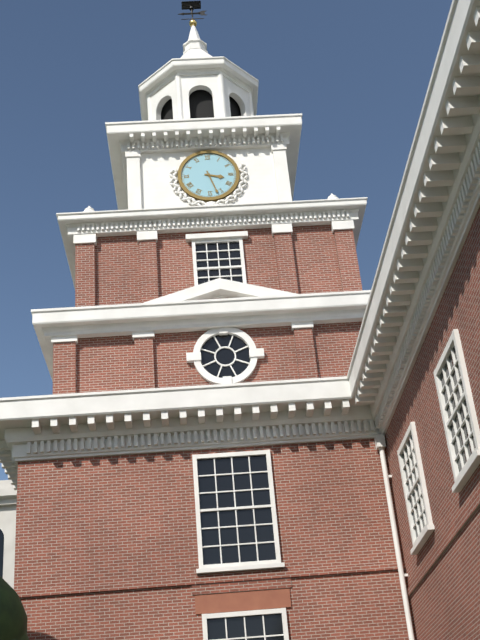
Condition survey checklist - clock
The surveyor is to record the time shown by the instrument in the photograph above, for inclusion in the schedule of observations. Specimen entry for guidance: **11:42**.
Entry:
**3:27**
